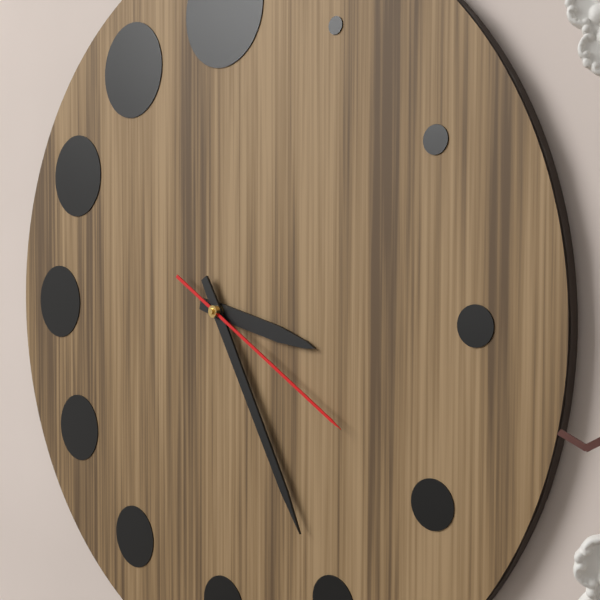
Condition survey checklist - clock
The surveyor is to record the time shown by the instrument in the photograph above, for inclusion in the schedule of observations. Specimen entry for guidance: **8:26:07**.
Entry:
**3:25:20**
